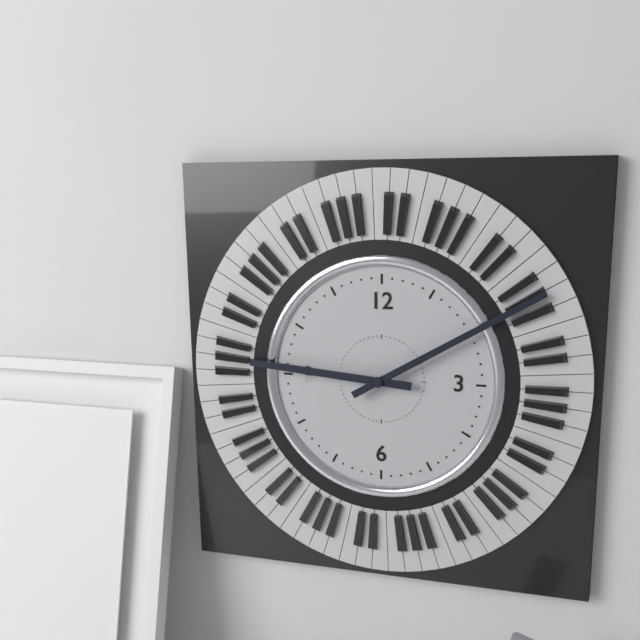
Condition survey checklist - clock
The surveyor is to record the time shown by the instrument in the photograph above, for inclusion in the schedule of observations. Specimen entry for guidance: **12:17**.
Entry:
**9:10**
